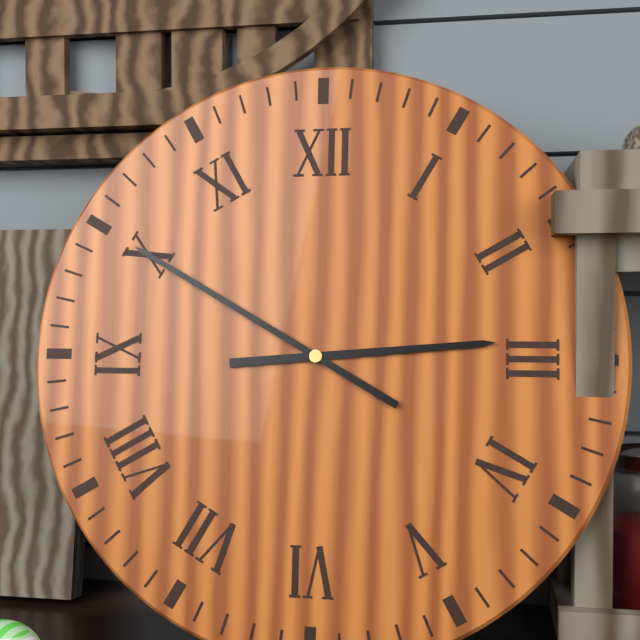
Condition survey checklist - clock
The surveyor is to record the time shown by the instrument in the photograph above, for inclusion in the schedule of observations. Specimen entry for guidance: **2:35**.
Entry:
**2:50**
